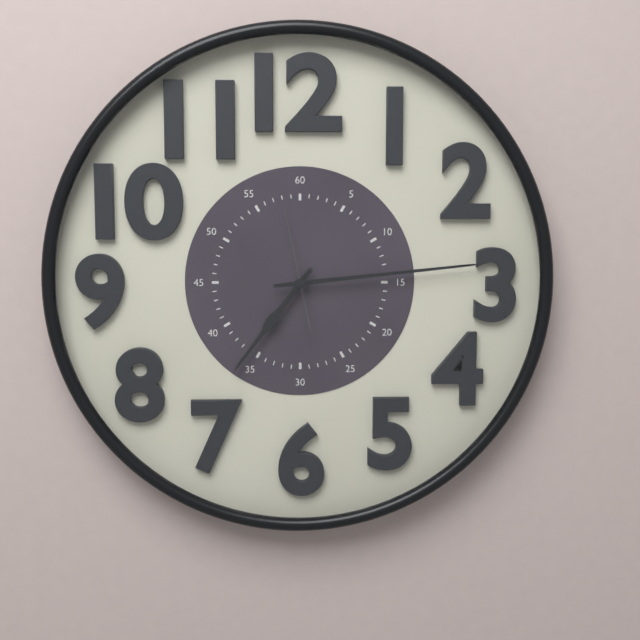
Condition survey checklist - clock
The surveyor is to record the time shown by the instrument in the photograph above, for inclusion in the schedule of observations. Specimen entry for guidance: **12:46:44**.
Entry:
**7:14:58**
